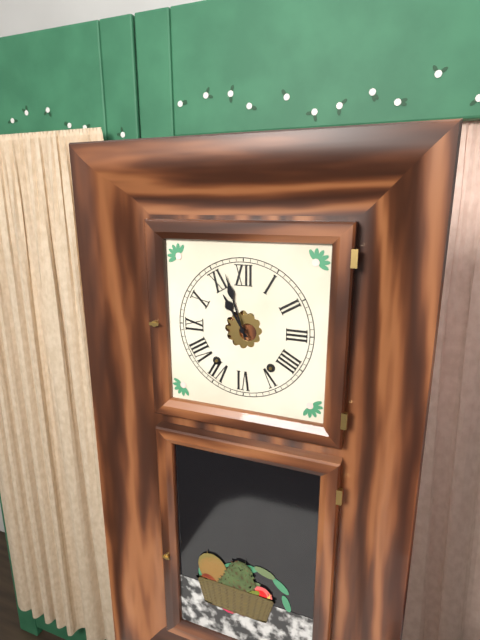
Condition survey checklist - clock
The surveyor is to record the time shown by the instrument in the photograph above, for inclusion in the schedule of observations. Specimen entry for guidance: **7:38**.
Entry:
**10:57**
